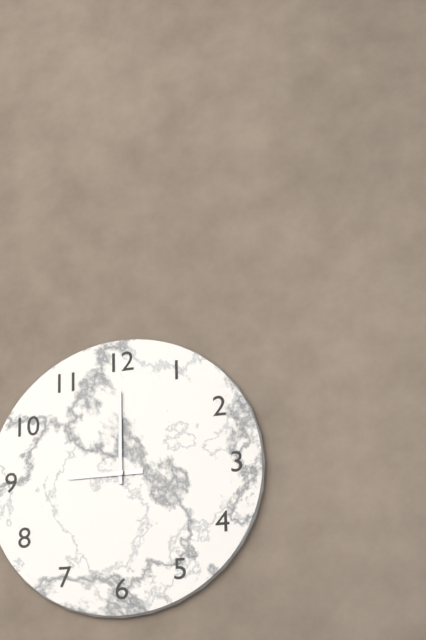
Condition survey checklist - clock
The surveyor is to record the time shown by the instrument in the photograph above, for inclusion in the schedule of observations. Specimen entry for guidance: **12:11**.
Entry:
**9:00**
